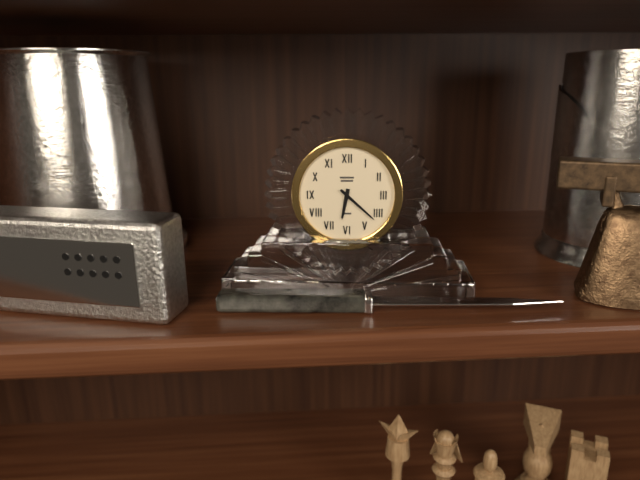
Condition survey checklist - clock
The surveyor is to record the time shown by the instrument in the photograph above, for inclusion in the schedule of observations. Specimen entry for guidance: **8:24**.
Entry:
**6:22**
